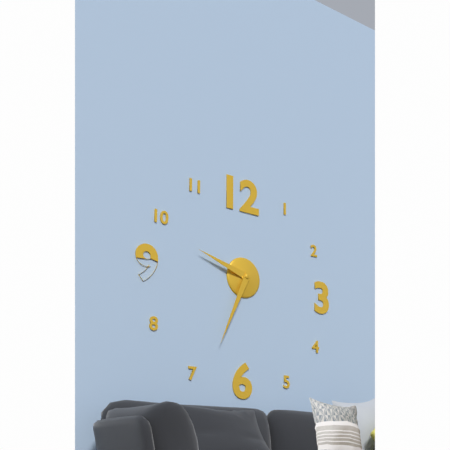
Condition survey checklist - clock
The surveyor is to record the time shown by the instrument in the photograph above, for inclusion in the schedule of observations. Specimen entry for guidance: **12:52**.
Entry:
**9:34**
